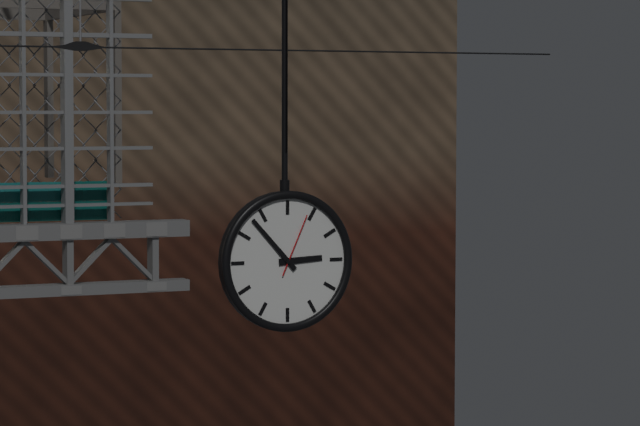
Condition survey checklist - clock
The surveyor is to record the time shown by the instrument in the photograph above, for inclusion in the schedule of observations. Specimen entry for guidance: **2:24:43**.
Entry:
**2:53:04**
